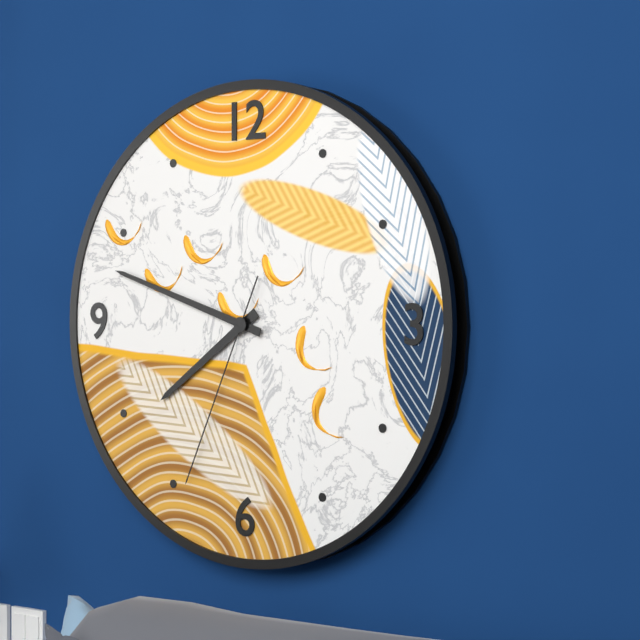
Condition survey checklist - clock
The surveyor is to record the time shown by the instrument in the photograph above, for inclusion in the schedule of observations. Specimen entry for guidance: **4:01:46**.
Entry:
**7:48:34**
